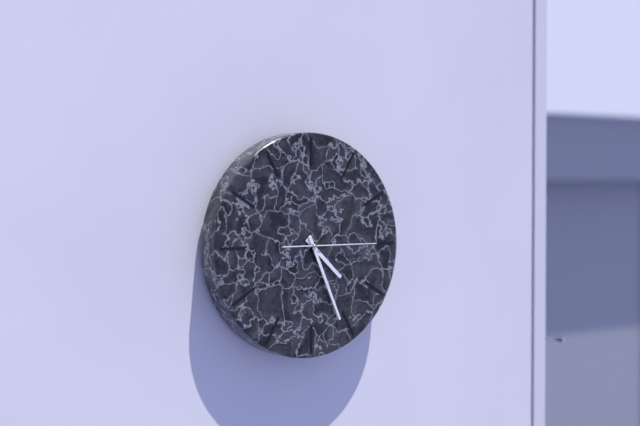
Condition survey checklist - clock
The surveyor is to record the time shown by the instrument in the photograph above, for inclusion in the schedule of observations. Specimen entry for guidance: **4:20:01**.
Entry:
**4:26:15**
